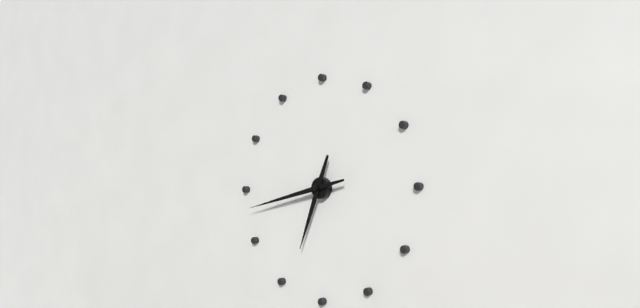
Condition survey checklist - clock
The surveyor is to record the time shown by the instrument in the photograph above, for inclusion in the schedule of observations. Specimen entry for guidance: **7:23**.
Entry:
**6:43**
